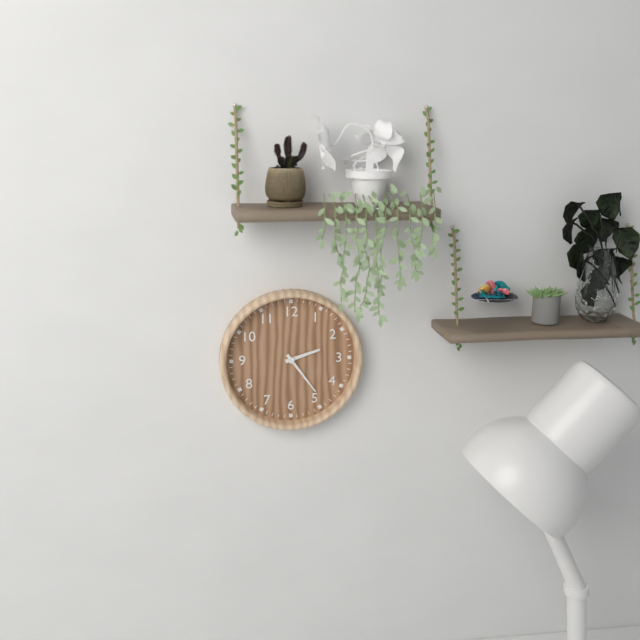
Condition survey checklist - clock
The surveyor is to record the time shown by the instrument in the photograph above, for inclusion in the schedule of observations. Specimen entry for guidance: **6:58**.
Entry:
**2:24**
